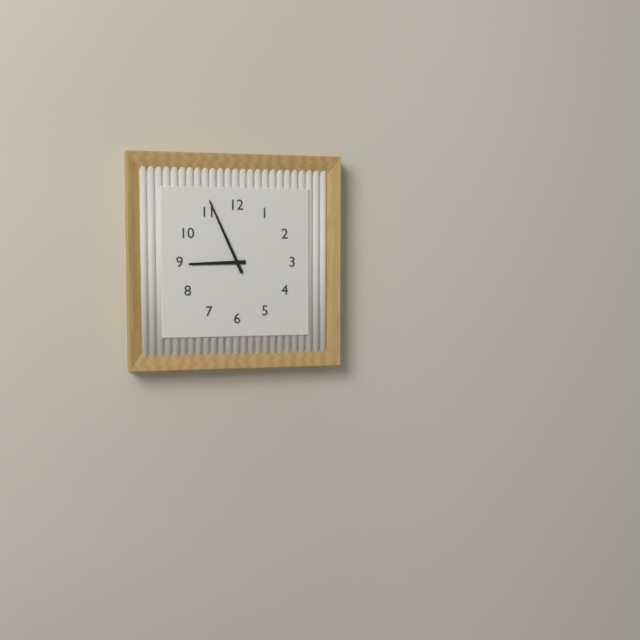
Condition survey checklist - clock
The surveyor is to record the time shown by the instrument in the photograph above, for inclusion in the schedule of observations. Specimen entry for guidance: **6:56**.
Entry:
**8:56**
